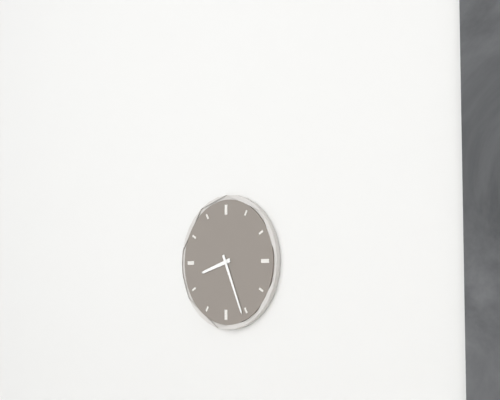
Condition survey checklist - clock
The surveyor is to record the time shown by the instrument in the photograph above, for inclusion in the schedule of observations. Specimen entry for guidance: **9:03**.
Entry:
**8:26**
